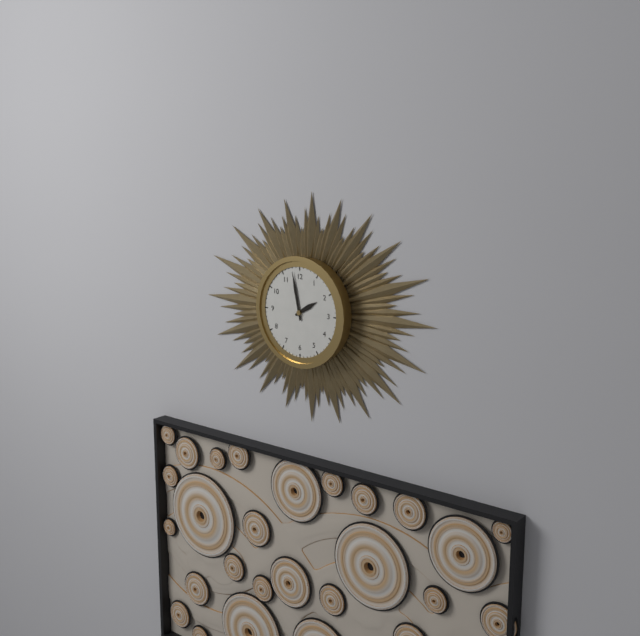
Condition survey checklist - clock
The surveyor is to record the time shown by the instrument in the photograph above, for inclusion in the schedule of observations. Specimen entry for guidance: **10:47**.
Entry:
**1:58**
